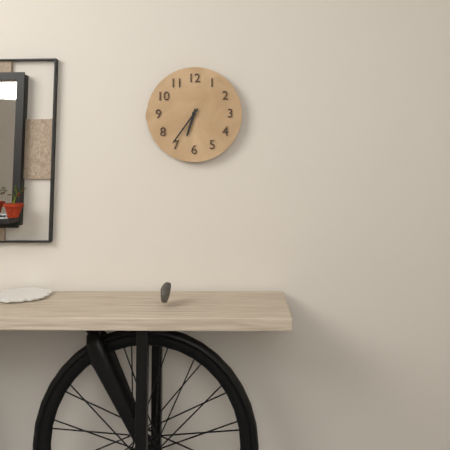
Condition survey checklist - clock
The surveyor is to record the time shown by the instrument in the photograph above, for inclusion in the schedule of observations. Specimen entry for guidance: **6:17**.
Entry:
**6:36**
